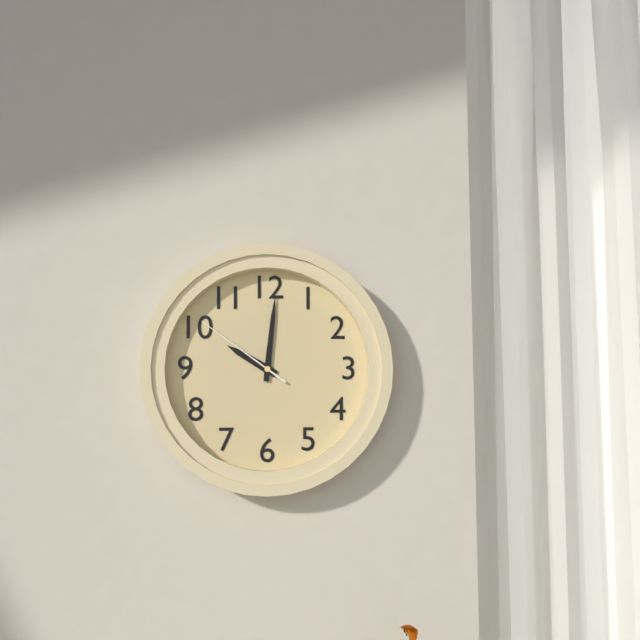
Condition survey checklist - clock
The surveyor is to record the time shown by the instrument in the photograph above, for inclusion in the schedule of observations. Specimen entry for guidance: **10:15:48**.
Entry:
**10:01:51**
